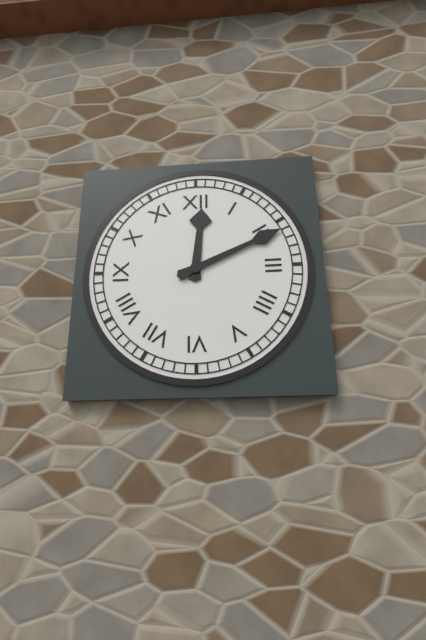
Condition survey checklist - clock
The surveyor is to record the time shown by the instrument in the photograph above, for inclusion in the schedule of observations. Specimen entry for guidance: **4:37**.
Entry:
**12:11**
